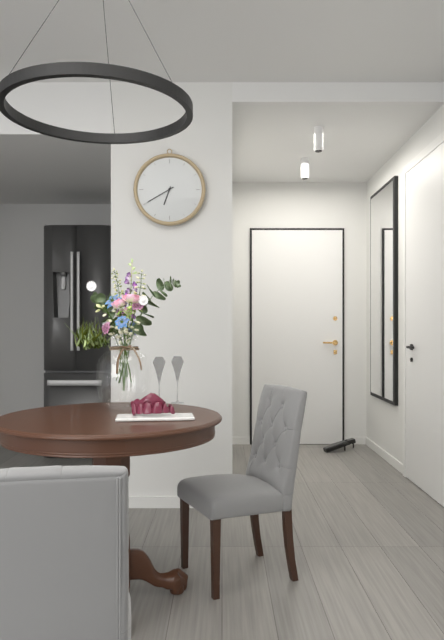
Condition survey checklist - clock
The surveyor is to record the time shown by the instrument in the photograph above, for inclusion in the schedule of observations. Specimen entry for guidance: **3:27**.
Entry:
**6:40**
